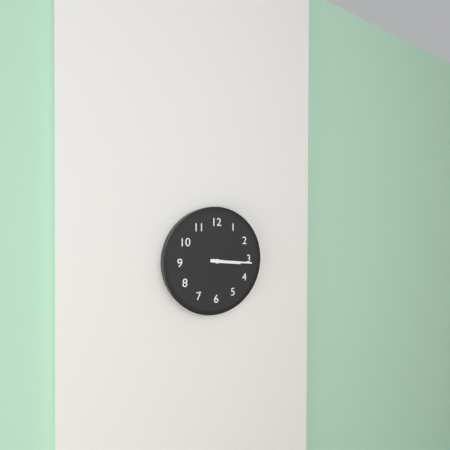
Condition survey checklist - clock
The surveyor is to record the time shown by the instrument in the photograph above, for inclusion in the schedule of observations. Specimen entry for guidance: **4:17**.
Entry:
**3:16**
